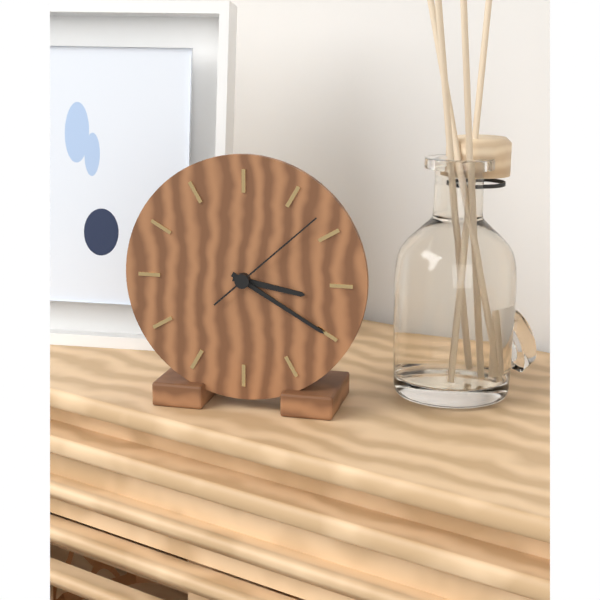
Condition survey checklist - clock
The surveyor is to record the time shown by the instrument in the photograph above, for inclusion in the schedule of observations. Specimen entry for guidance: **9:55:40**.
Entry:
**3:20:08**
